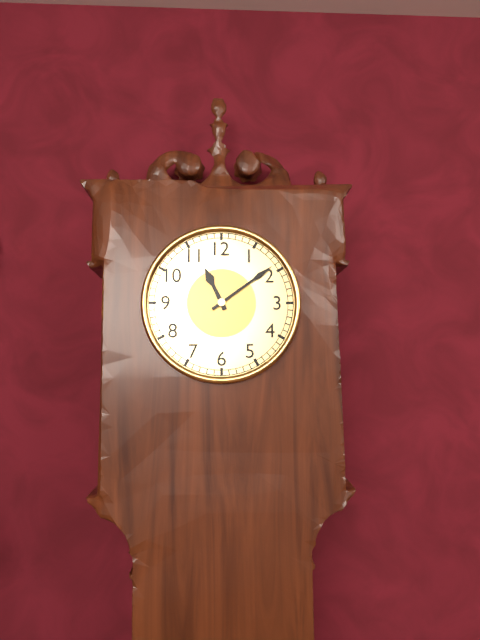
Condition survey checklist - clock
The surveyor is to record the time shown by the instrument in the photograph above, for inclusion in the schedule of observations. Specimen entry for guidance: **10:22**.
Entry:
**11:09**
